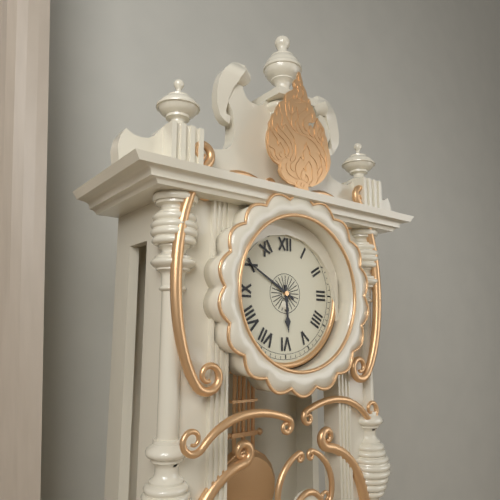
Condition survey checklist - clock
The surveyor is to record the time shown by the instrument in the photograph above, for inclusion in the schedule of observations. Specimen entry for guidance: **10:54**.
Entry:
**5:50**
